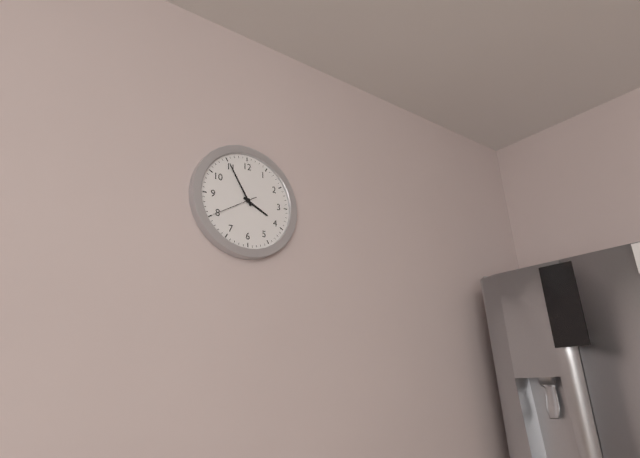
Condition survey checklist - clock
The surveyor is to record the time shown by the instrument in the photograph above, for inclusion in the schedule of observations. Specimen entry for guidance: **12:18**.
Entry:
**3:55**
